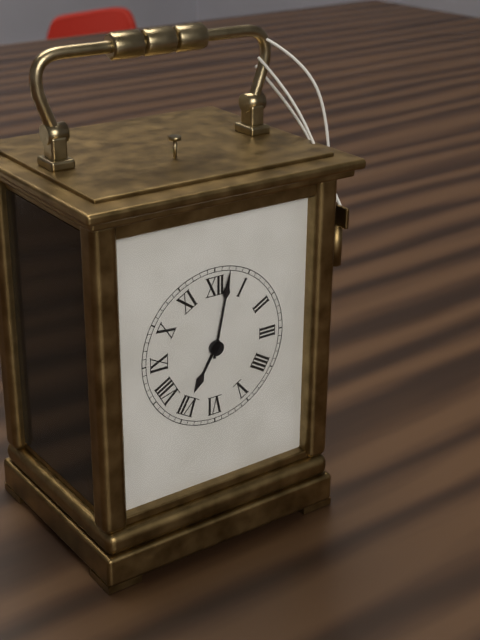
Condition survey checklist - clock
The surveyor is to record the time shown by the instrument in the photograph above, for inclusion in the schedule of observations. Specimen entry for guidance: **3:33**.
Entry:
**7:02**
